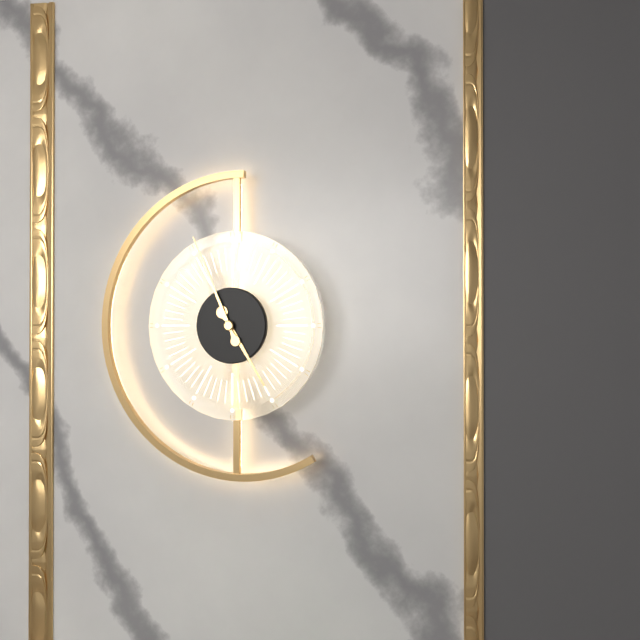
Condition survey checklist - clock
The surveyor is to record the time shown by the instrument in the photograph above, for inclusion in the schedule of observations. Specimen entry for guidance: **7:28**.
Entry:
**4:56**
